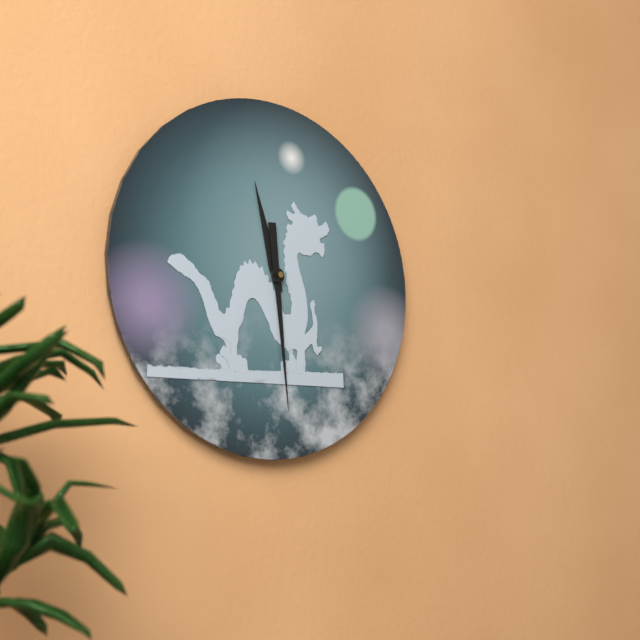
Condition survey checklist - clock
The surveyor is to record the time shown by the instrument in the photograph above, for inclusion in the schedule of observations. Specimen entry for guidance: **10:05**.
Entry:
**11:29**
